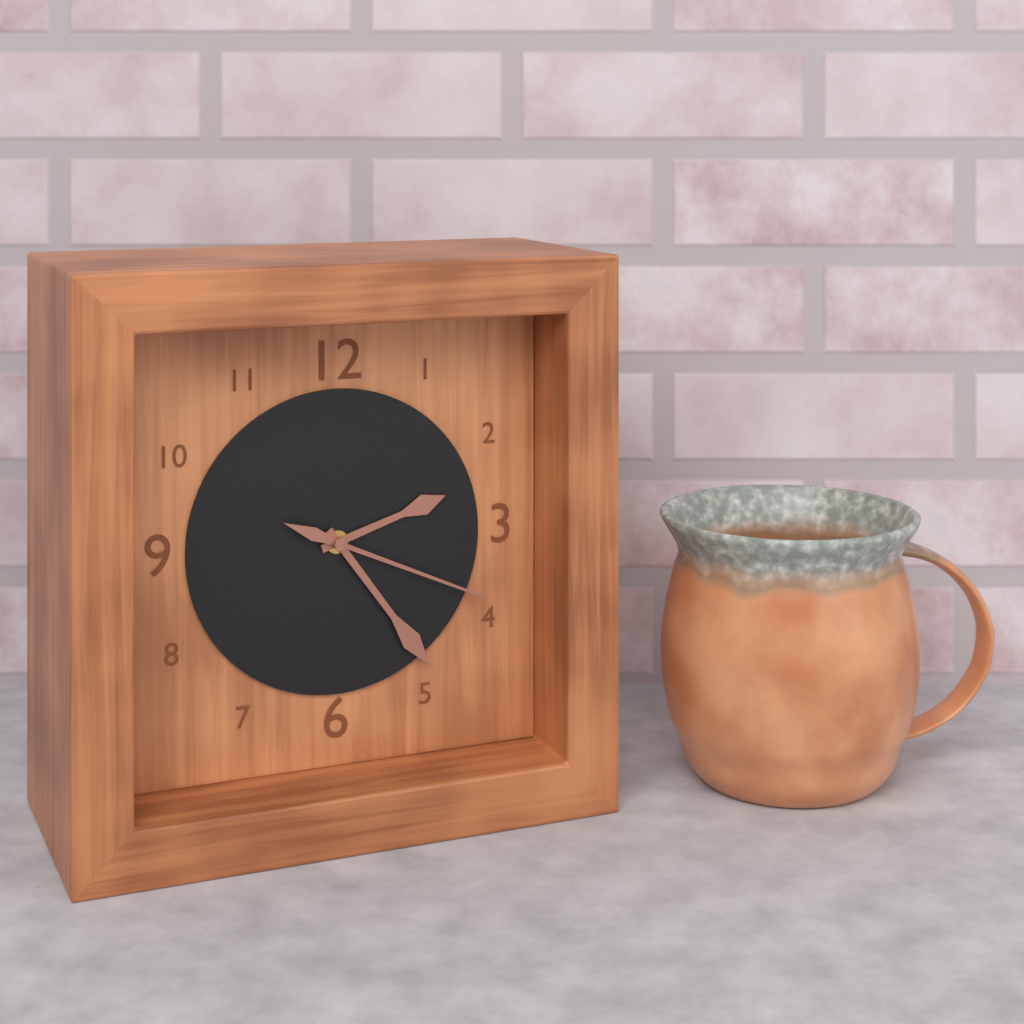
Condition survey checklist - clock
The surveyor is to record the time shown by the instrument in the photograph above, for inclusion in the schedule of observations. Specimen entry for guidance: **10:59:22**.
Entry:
**2:24:19**
